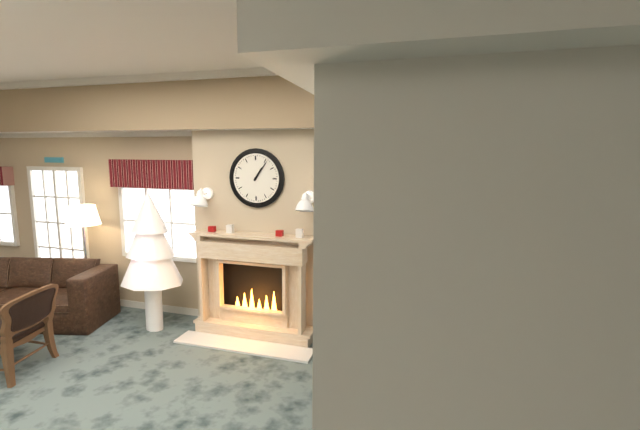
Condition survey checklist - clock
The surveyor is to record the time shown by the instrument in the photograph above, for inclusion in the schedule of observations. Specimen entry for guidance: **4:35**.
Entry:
**1:06**
